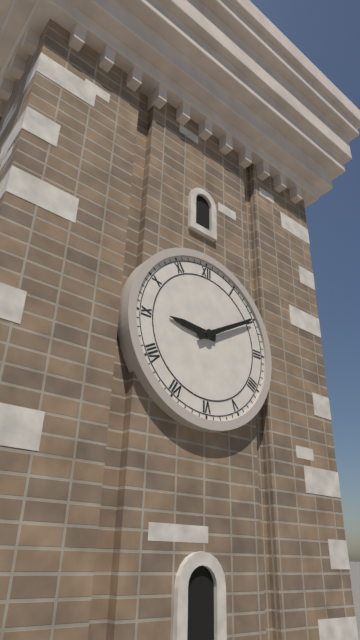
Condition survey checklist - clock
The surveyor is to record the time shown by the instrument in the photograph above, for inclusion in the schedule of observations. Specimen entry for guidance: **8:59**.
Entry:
**9:10**
